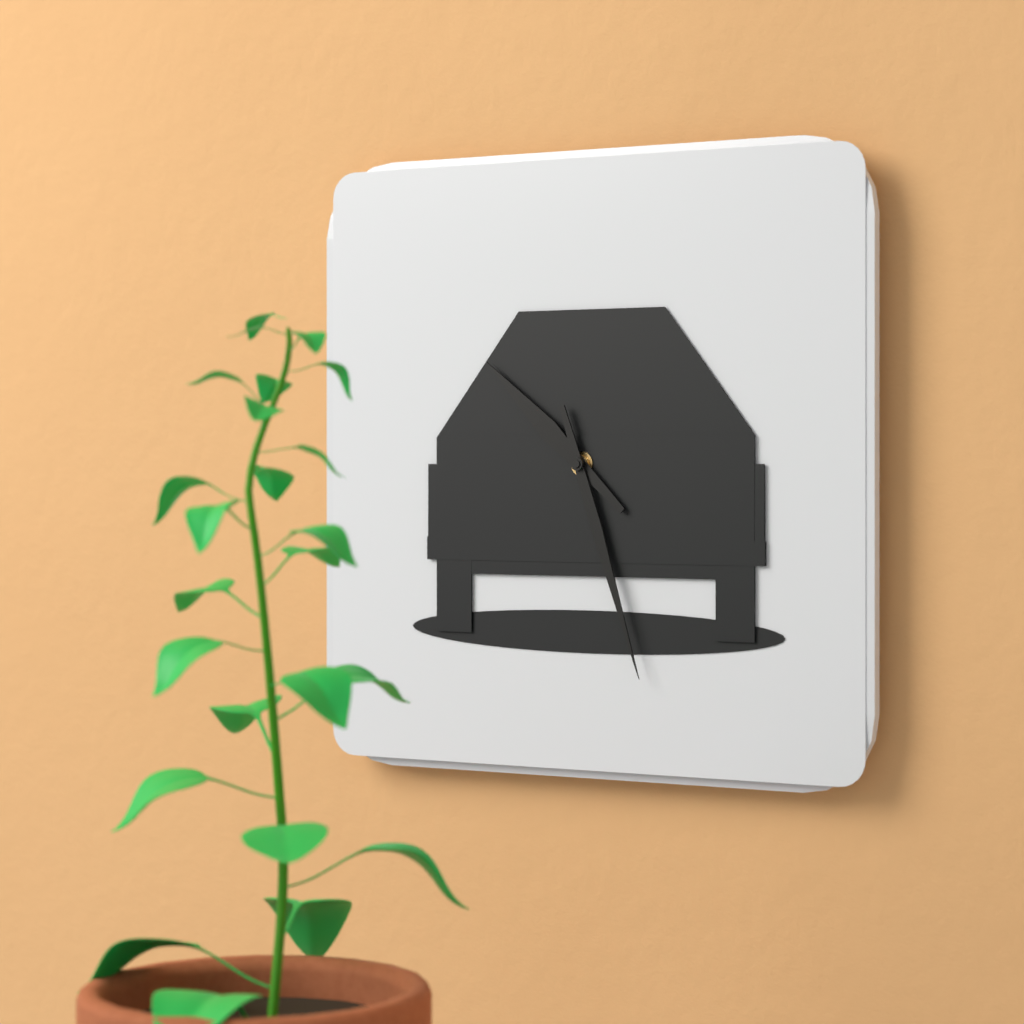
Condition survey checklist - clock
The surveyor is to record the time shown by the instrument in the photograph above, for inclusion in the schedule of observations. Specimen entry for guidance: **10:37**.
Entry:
**10:27**
